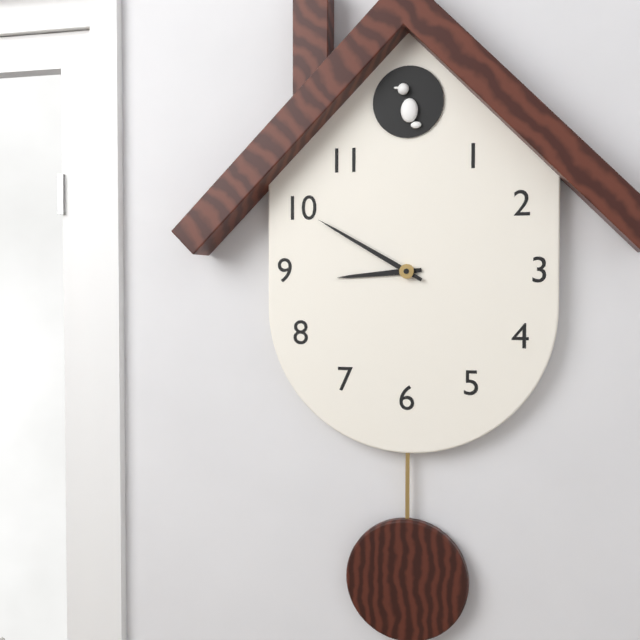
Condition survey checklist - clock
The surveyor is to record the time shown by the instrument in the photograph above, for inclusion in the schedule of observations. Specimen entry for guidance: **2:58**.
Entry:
**8:50**
